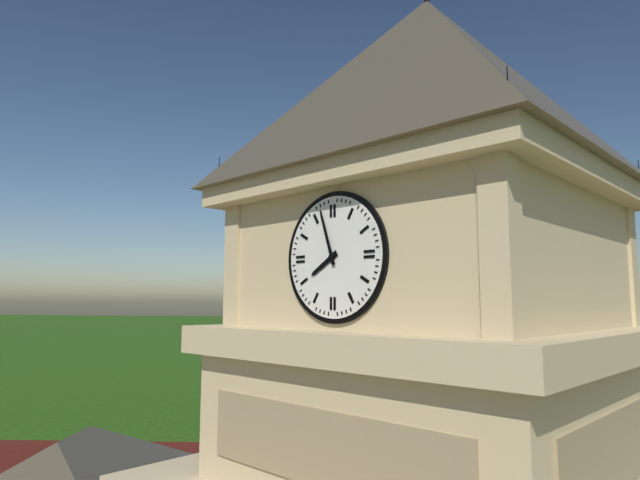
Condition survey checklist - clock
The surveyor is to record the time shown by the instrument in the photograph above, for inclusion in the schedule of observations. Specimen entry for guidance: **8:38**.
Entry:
**7:57**
